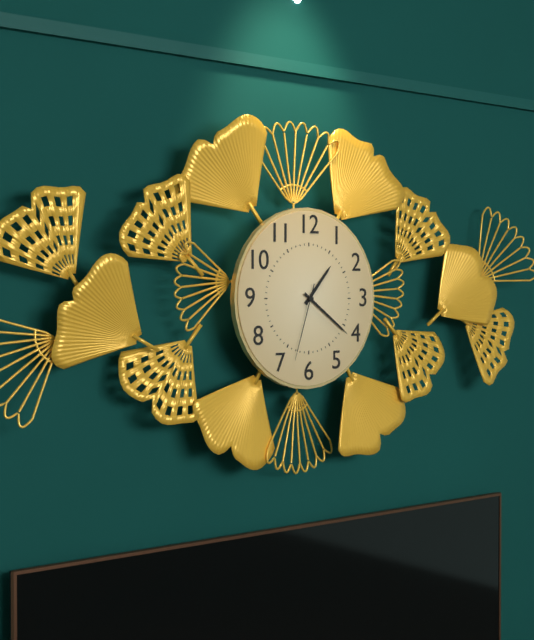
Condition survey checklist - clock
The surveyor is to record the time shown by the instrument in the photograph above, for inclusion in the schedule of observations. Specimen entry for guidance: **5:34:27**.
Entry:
**1:21:33**
